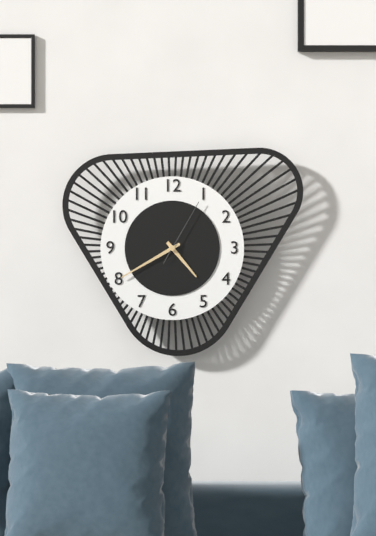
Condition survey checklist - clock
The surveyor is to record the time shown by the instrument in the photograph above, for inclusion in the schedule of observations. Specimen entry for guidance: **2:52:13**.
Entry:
**4:40:05**
